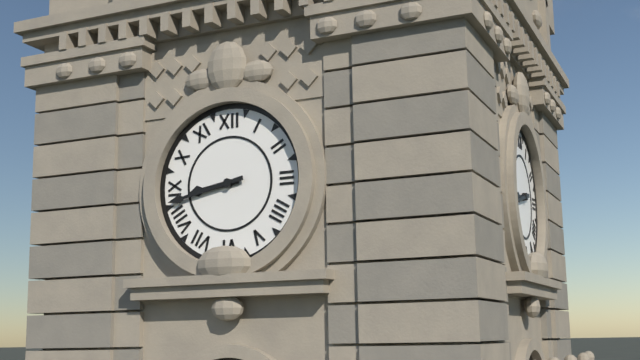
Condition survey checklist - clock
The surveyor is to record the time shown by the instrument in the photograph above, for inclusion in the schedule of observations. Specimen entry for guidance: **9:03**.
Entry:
**8:43**
